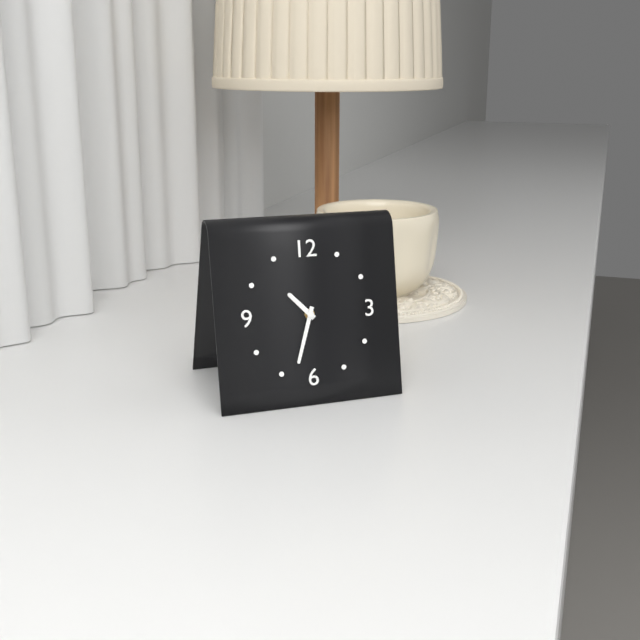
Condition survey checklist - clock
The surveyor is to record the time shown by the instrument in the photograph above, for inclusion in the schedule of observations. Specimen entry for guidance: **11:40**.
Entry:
**10:33**
